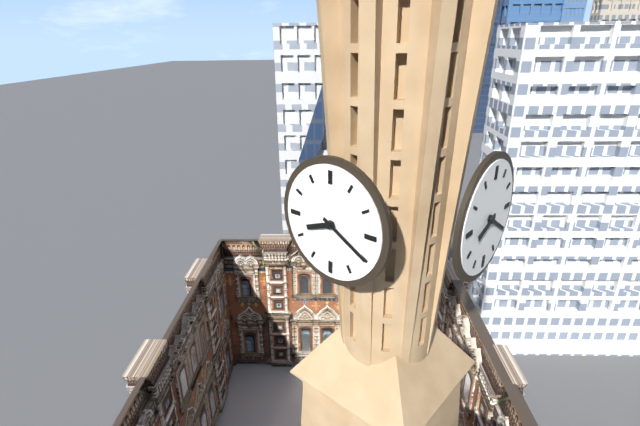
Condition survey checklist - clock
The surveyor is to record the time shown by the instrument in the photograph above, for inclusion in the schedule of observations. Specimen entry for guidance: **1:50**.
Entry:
**8:20**
